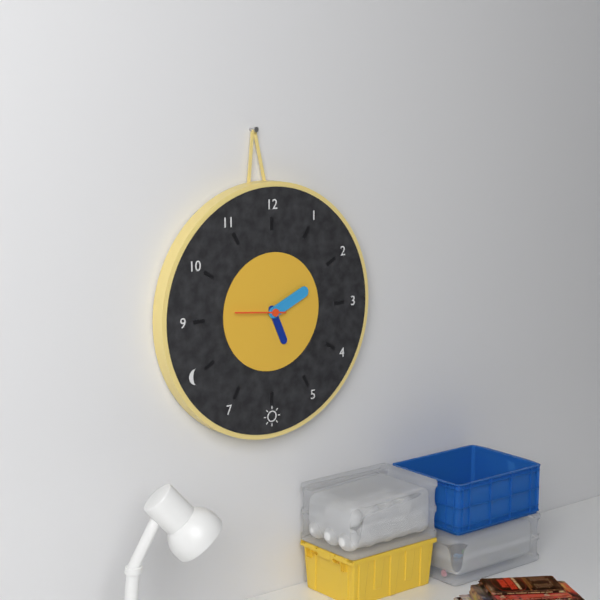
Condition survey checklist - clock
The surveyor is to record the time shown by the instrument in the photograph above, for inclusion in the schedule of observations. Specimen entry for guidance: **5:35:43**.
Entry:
**5:11:46**
